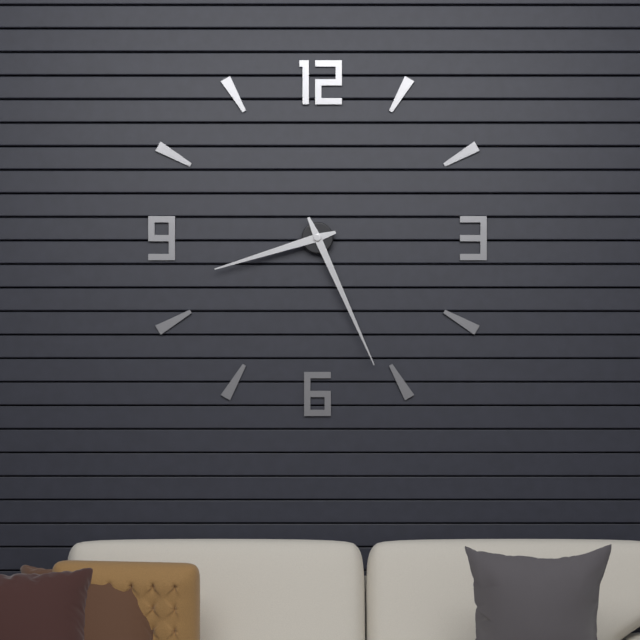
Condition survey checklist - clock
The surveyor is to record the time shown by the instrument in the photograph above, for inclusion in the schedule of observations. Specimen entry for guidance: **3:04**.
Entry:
**8:26**
